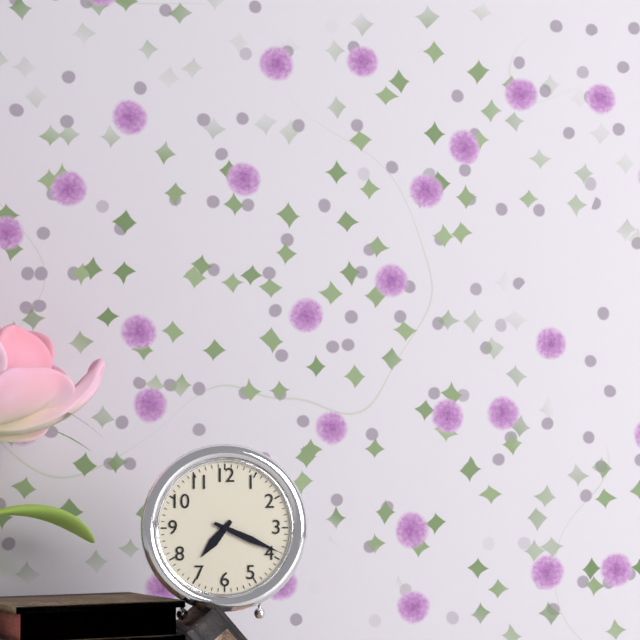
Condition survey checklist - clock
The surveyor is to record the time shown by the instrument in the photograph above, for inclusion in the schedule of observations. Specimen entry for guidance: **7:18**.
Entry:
**7:19**
